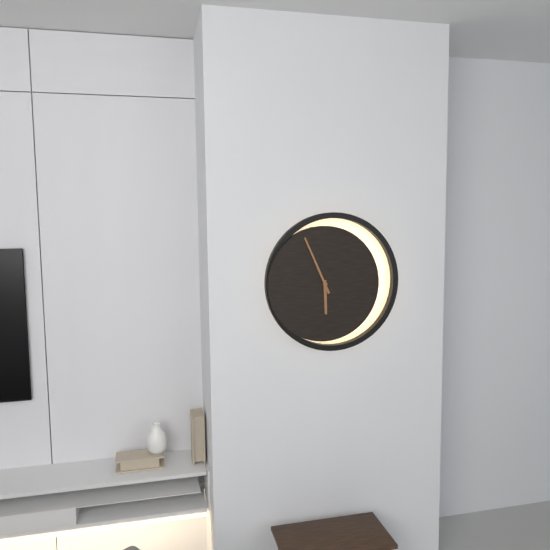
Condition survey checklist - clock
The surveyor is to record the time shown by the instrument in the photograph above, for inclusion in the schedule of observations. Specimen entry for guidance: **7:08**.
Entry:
**5:56**
